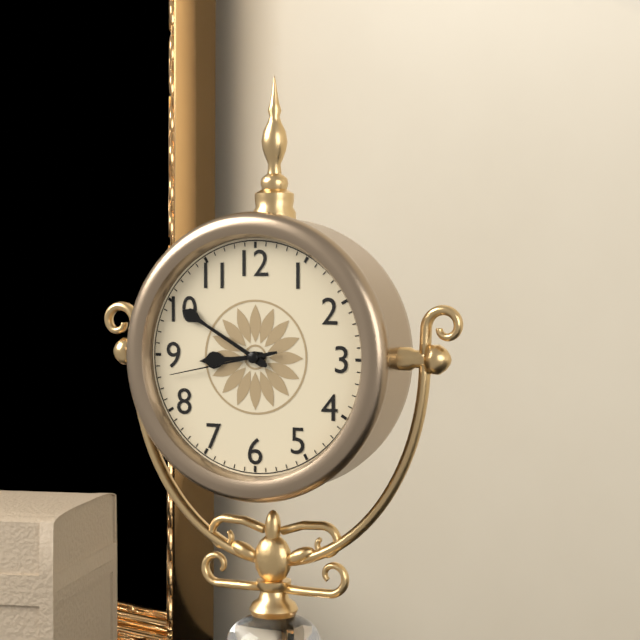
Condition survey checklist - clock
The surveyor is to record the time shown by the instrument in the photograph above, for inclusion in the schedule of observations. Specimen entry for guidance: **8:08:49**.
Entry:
**8:50:43**
